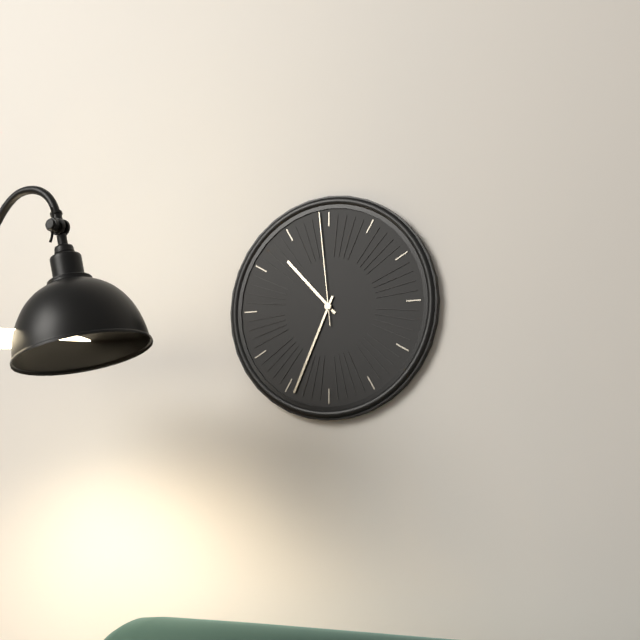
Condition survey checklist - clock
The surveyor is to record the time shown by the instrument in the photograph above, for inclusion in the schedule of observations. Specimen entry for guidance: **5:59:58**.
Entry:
**10:34:59**
